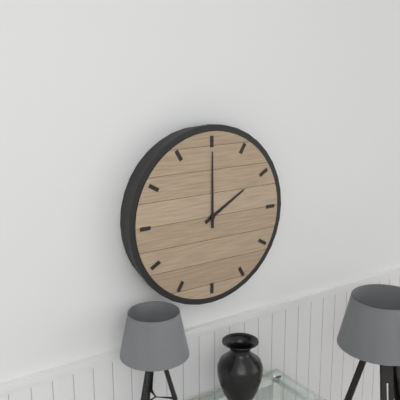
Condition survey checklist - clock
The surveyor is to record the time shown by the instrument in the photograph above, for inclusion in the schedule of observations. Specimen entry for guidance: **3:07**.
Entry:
**2:00**
